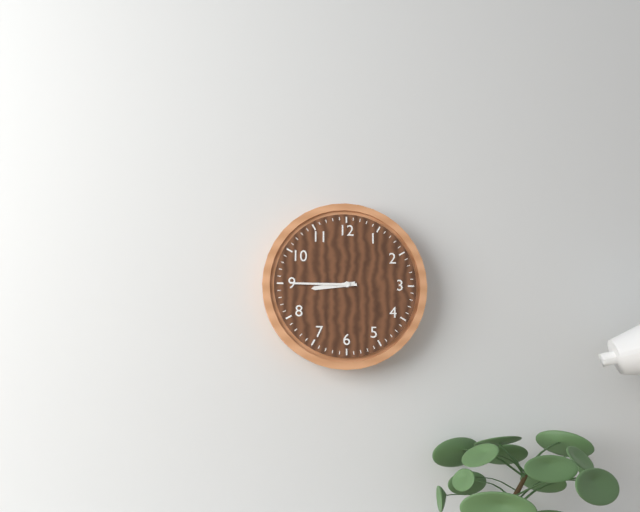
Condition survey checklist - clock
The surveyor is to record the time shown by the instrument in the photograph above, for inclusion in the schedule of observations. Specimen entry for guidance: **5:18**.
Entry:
**8:45**
